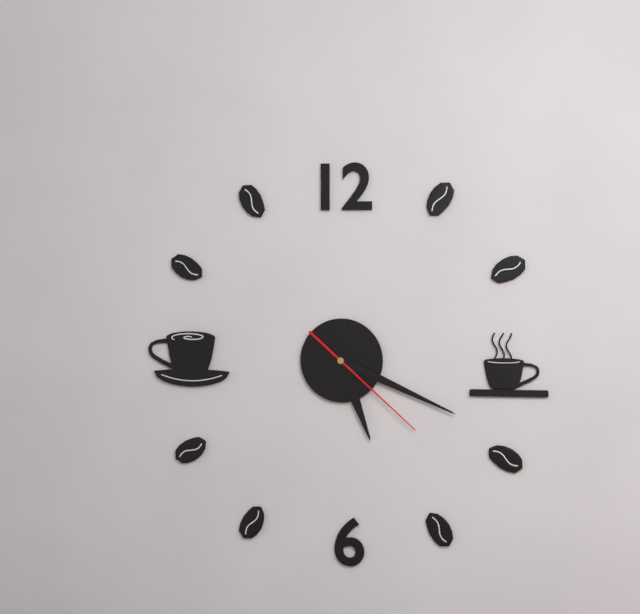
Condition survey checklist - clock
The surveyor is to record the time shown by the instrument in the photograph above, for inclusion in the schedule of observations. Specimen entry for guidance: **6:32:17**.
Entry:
**5:19:22**
